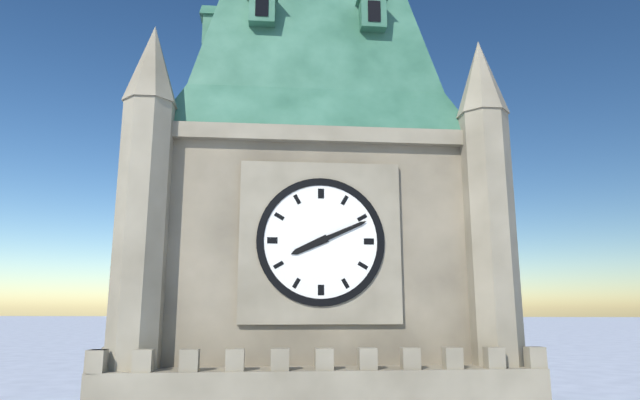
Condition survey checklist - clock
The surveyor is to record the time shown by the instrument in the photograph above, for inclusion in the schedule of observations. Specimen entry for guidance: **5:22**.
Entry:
**8:11**
